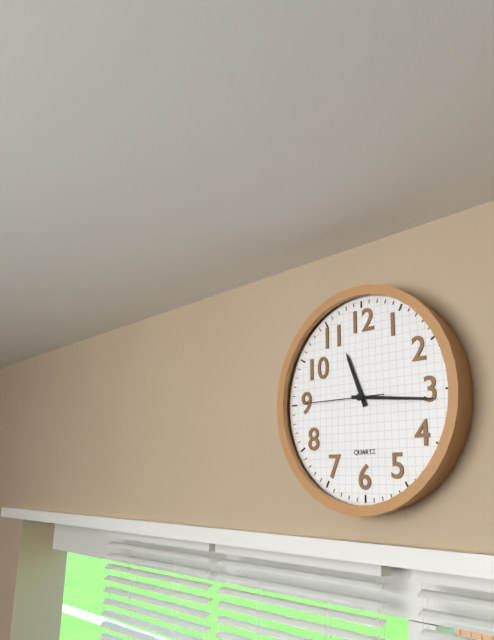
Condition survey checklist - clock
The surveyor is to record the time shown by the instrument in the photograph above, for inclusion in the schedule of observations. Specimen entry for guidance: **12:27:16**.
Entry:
**11:16:45**
